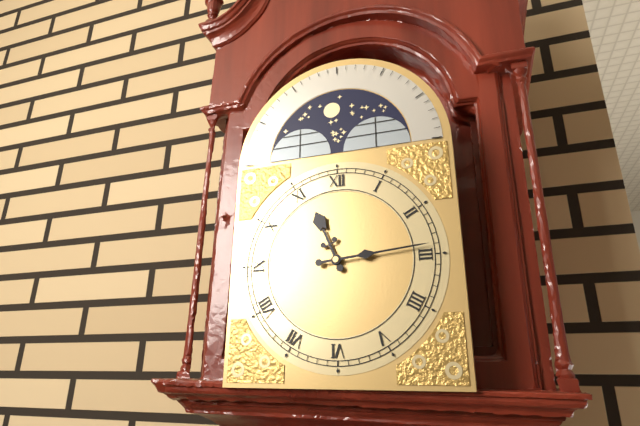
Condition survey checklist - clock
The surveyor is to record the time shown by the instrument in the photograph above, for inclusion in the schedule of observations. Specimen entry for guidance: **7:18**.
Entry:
**11:14**
